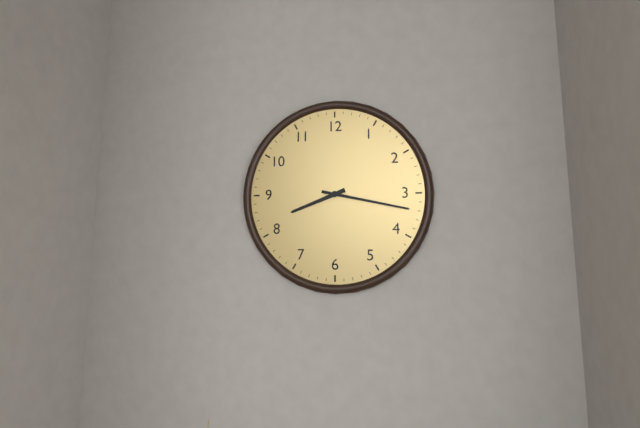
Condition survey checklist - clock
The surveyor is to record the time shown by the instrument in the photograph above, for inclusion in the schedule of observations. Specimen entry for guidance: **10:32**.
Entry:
**8:17**
